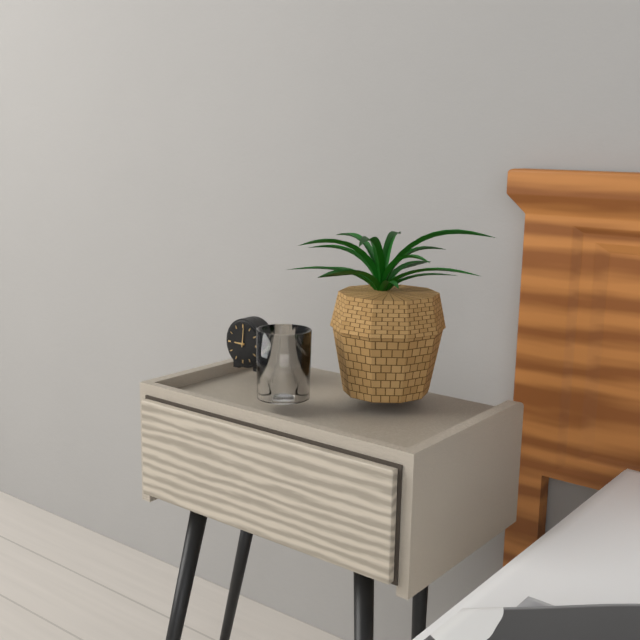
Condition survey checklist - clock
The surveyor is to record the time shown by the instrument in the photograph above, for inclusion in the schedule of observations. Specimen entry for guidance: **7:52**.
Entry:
**9:01**
